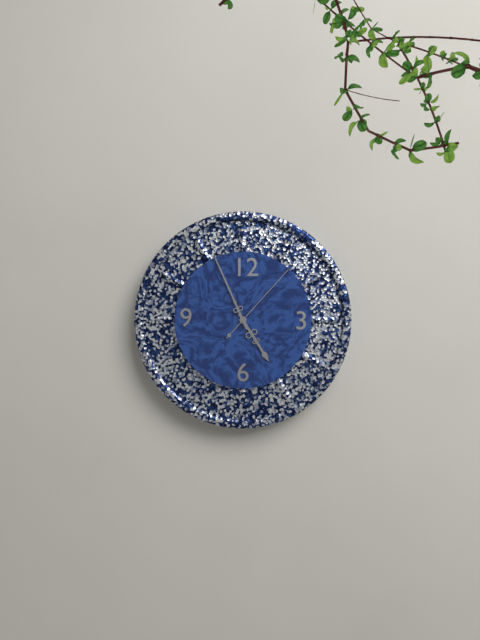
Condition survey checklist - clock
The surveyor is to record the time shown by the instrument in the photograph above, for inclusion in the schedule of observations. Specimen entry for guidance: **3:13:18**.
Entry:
**4:56:07**
